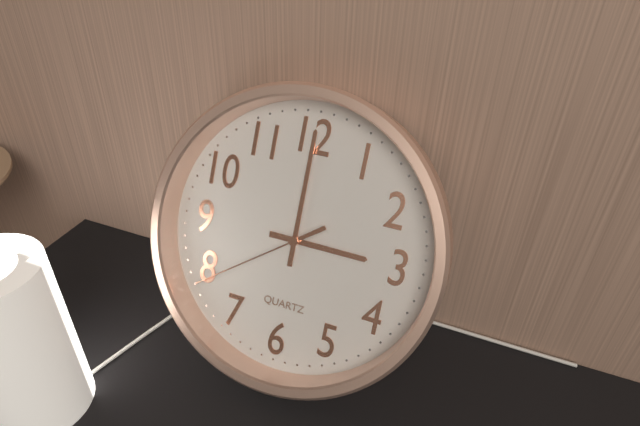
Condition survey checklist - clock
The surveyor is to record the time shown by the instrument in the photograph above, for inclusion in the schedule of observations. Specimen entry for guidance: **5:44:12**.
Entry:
**3:00:39**
